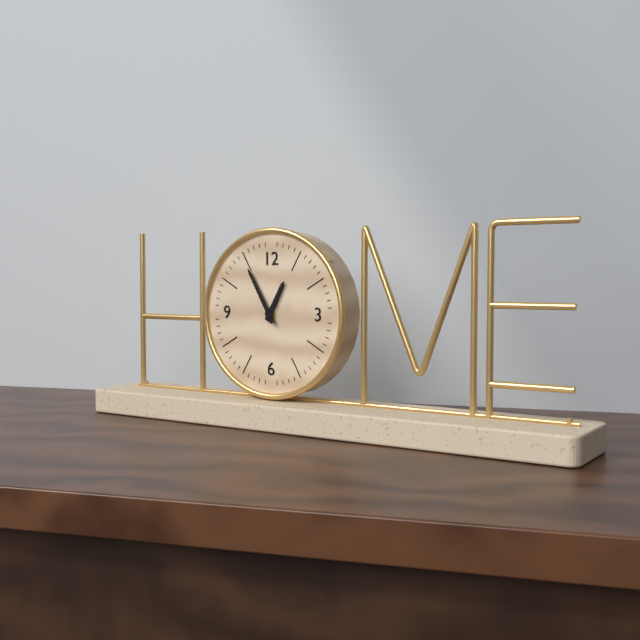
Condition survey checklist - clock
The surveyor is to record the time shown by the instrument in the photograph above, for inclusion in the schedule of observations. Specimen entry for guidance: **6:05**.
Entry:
**12:55**
